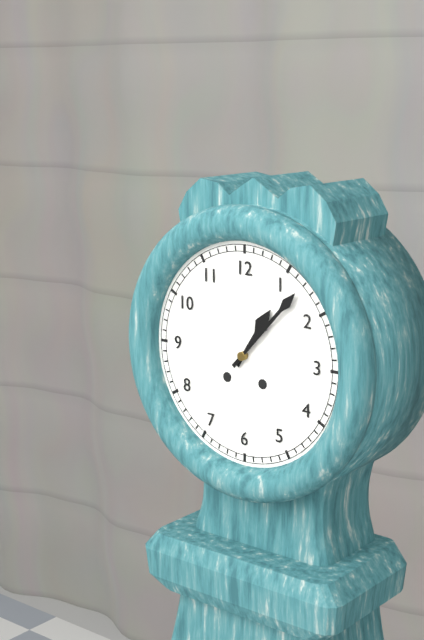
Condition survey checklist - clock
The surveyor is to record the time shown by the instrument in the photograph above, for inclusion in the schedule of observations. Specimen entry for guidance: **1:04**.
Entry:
**1:07**
